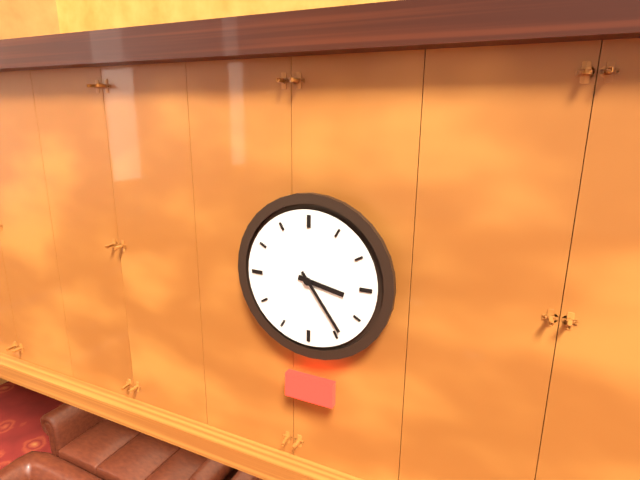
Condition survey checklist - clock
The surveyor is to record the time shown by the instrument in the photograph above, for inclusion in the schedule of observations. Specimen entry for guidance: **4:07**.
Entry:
**3:24**
